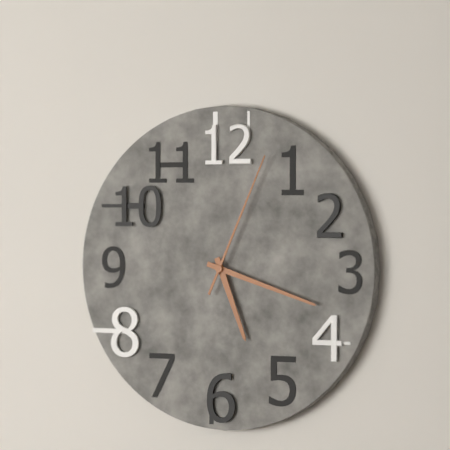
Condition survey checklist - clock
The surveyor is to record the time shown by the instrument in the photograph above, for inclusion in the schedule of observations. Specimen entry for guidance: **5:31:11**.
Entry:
**5:18:04**
